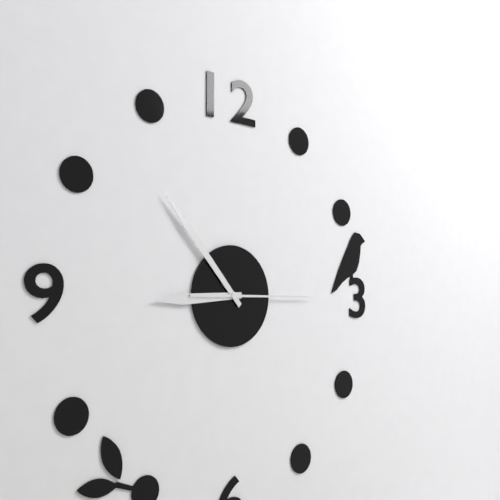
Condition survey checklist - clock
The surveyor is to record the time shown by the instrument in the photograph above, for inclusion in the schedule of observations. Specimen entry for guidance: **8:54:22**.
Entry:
**8:53:15**
